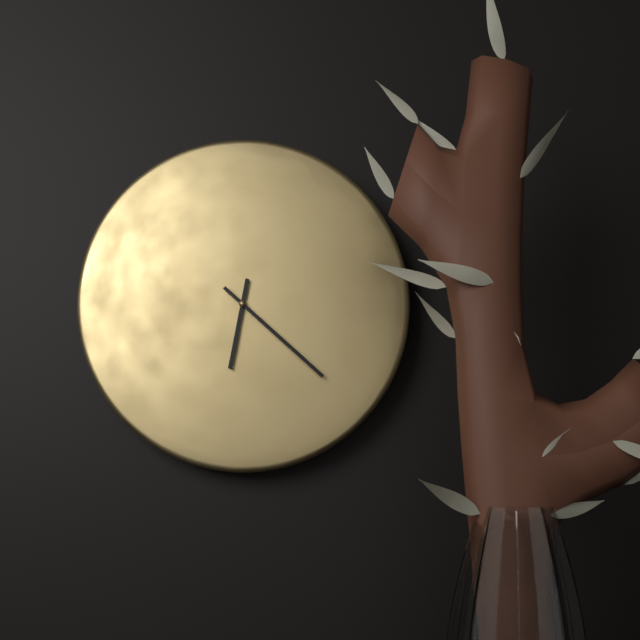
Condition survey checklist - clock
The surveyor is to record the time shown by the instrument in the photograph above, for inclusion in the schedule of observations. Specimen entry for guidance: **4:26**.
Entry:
**6:22**
